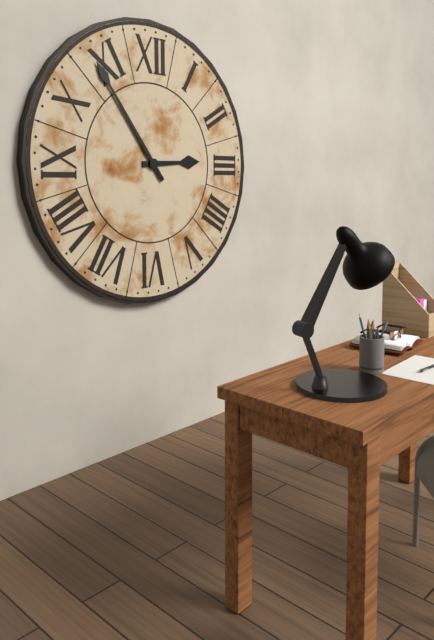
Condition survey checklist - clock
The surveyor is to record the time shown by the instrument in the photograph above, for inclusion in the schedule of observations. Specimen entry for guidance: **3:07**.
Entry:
**2:54**
